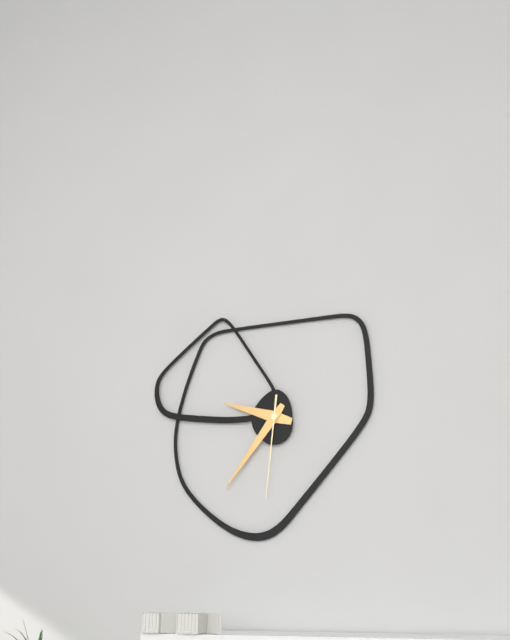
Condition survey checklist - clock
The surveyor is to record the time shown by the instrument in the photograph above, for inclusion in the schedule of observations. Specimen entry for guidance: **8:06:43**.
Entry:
**9:36:31**
